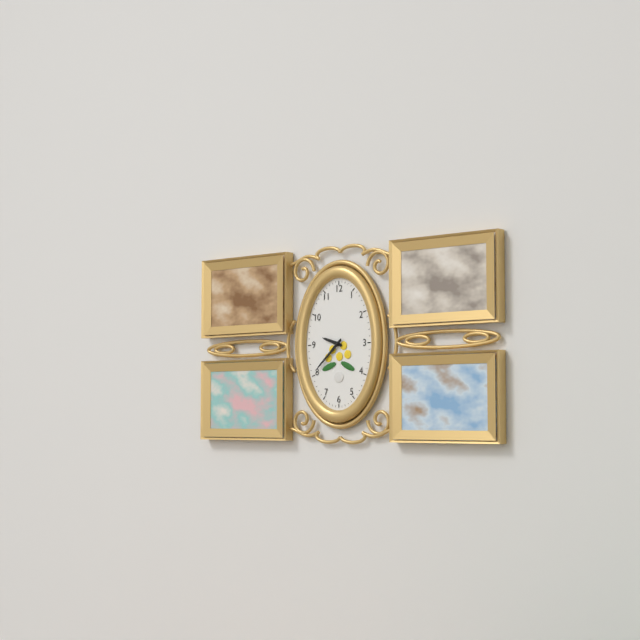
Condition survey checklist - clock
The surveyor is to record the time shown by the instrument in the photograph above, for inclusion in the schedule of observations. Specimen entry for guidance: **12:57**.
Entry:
**9:38**
